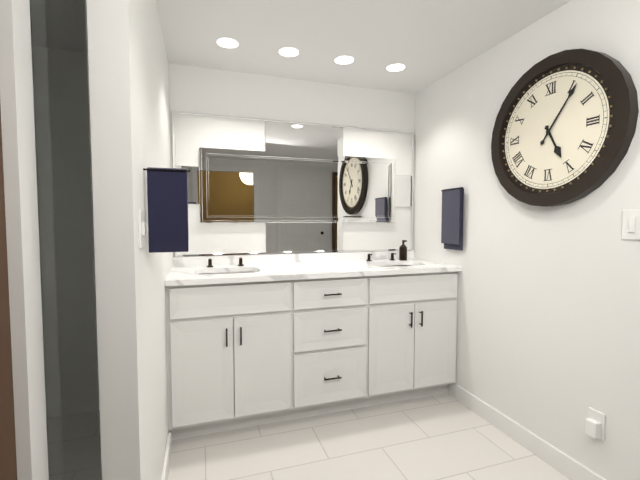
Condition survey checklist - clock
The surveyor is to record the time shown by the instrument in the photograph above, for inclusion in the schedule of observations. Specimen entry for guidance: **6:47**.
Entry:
**5:06**
